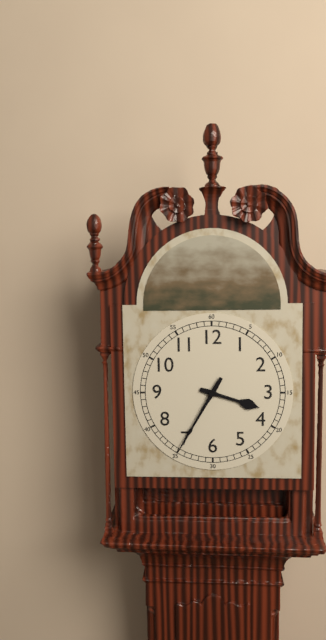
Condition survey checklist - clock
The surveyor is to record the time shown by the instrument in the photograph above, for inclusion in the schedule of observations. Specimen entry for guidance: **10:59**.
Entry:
**3:35**
